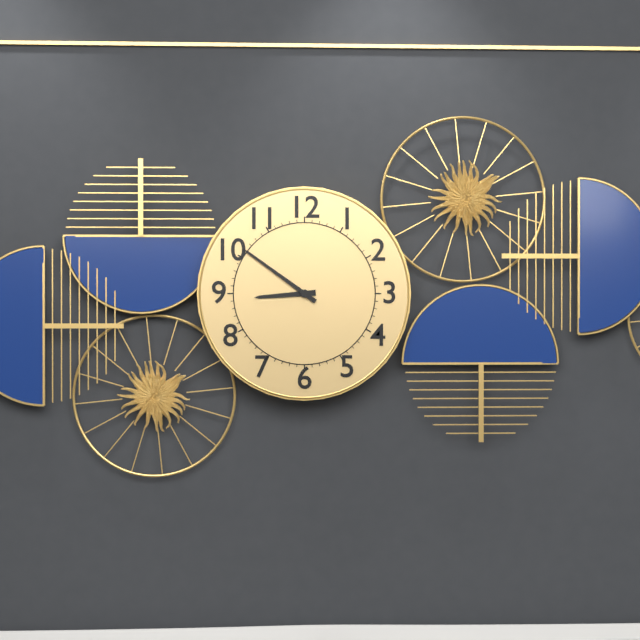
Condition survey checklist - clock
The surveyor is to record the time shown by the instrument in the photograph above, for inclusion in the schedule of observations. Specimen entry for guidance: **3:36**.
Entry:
**8:51**
